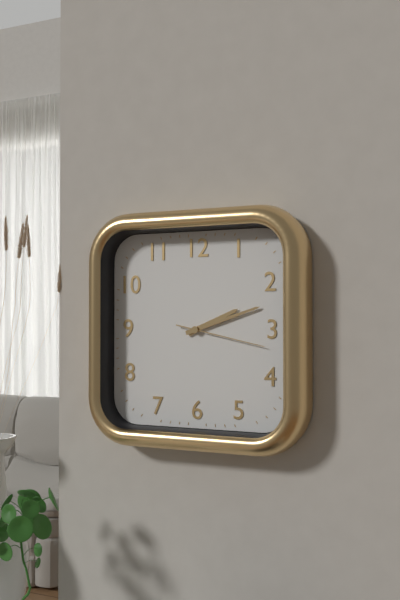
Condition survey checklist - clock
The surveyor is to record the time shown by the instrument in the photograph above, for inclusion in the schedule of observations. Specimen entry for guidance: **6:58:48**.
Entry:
**2:12:17**
